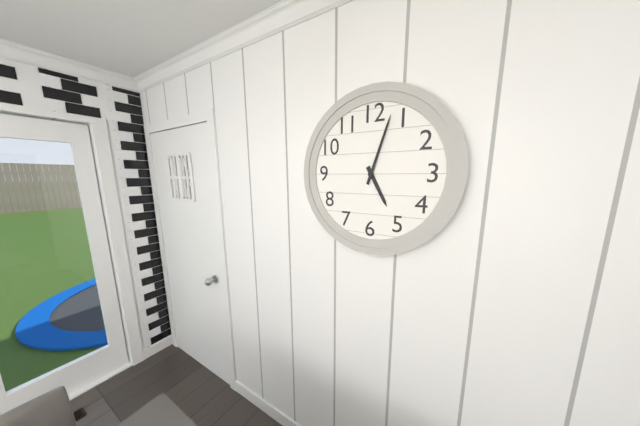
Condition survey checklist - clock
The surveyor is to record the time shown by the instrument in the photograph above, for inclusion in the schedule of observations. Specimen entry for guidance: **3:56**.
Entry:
**5:03**
